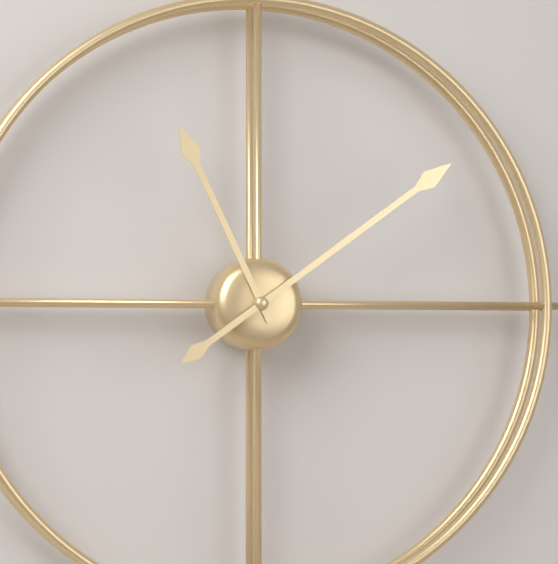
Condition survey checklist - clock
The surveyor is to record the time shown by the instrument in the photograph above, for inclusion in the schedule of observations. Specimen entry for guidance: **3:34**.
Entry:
**11:09**
